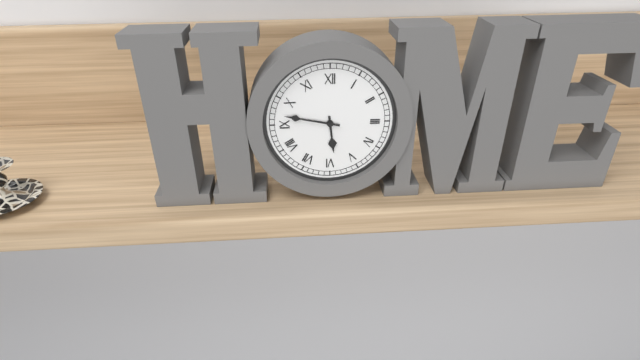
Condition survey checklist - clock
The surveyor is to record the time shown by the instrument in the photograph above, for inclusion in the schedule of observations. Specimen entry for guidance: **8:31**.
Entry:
**5:47**
